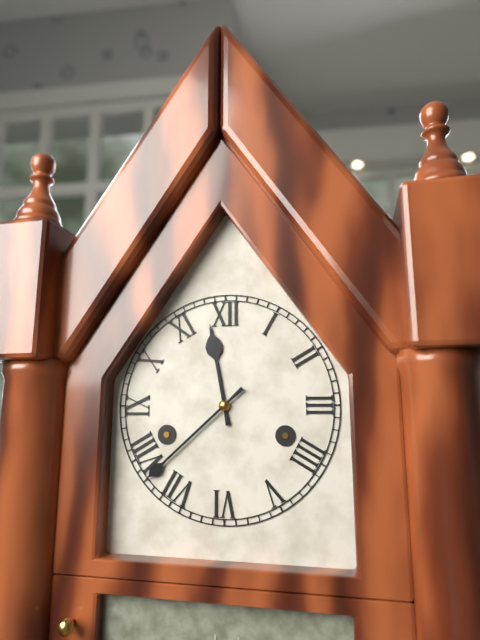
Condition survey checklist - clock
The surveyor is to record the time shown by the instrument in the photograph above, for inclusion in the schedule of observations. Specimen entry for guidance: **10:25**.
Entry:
**11:38**
